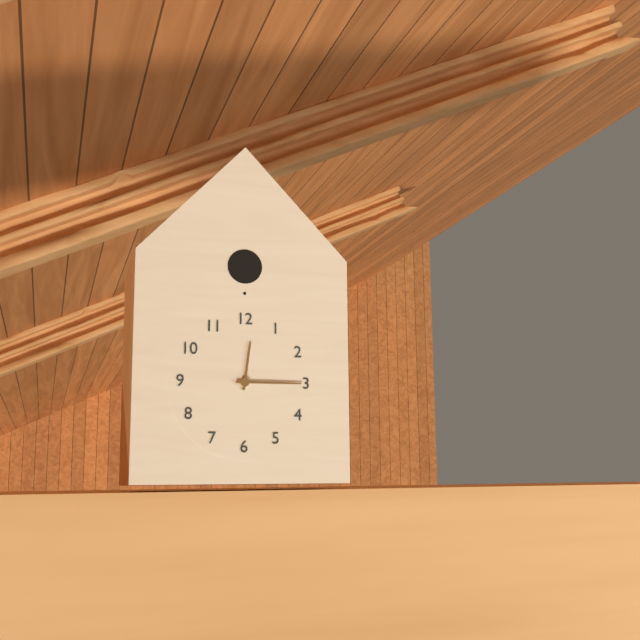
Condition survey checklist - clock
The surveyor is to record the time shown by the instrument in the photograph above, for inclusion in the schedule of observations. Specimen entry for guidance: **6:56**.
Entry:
**12:15**
